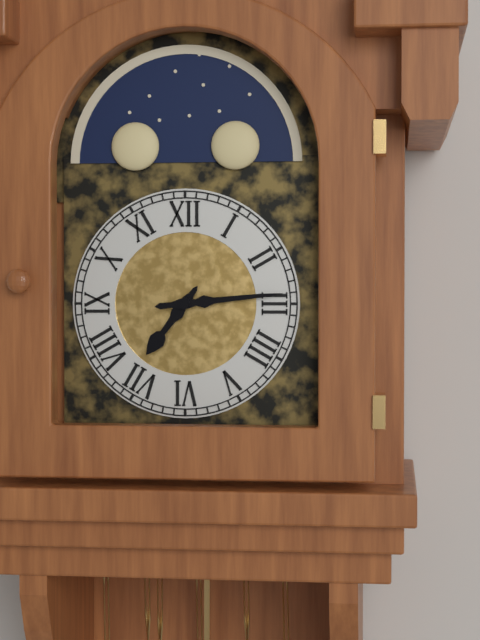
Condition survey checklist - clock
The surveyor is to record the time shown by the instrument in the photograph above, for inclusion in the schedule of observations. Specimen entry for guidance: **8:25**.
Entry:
**7:14**
